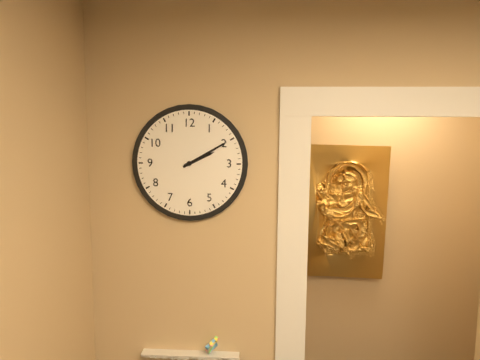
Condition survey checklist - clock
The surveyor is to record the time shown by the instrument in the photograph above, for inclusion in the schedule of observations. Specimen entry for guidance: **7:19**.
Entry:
**2:10**
